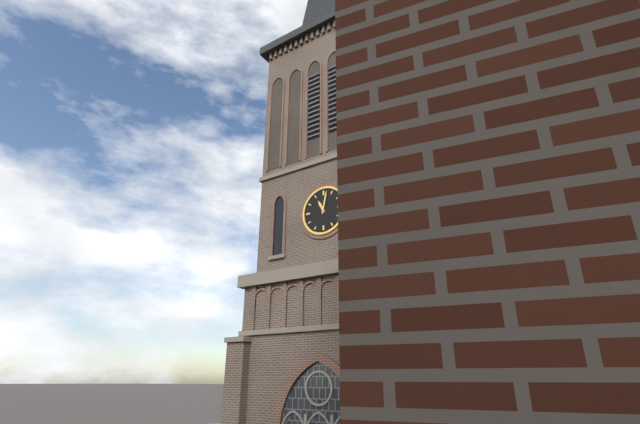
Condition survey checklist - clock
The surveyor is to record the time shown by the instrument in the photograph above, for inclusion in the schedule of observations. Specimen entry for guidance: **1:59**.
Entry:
**11:02**
